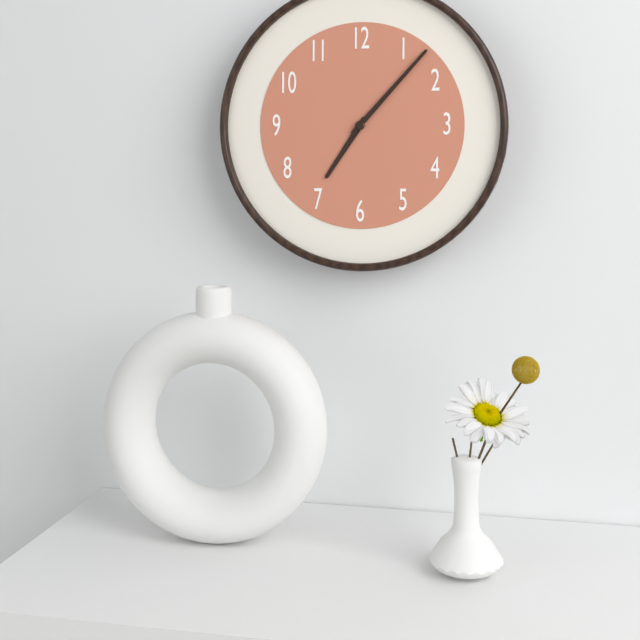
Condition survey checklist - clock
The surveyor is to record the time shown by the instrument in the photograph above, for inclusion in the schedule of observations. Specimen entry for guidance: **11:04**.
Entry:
**7:07**
